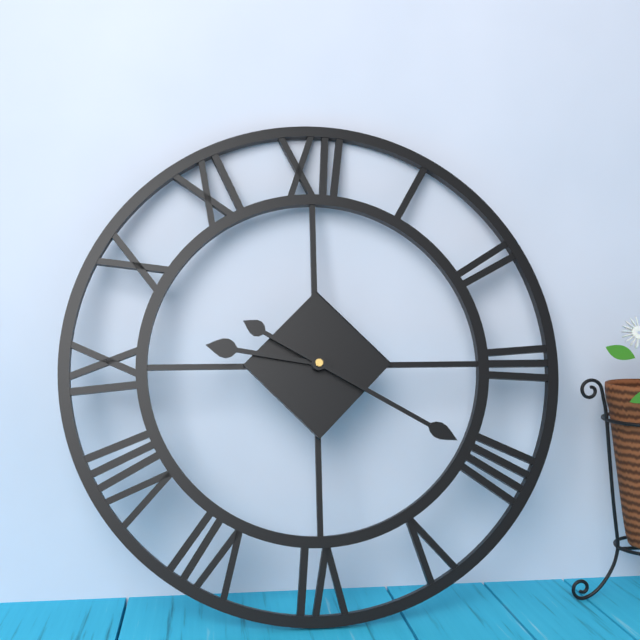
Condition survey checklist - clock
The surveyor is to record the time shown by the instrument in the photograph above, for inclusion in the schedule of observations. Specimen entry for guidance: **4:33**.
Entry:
**9:20**
